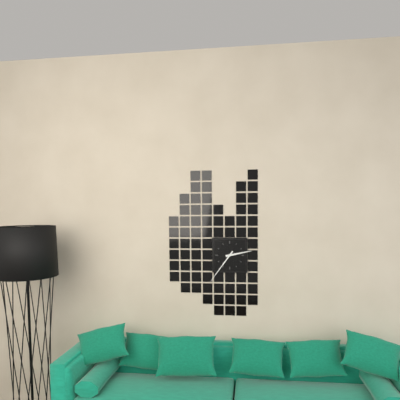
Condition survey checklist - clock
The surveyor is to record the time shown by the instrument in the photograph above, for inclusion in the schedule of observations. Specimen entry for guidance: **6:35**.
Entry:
**2:36**
